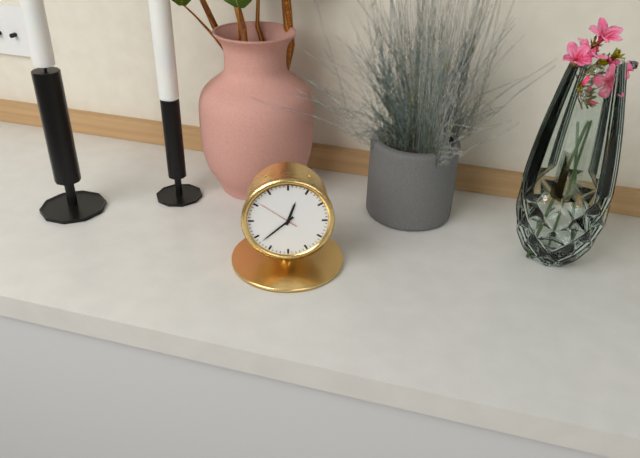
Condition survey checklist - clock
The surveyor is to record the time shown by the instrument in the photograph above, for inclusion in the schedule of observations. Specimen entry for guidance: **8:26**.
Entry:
**12:38**
